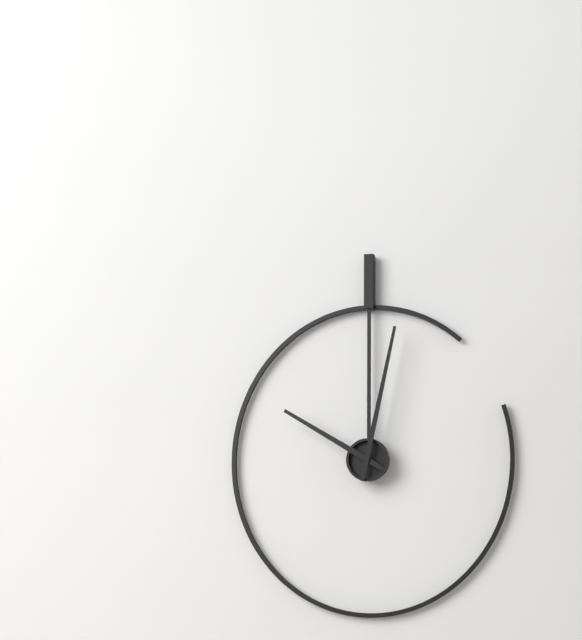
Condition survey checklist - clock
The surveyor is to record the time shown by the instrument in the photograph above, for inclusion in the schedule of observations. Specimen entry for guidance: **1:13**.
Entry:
**10:02**
